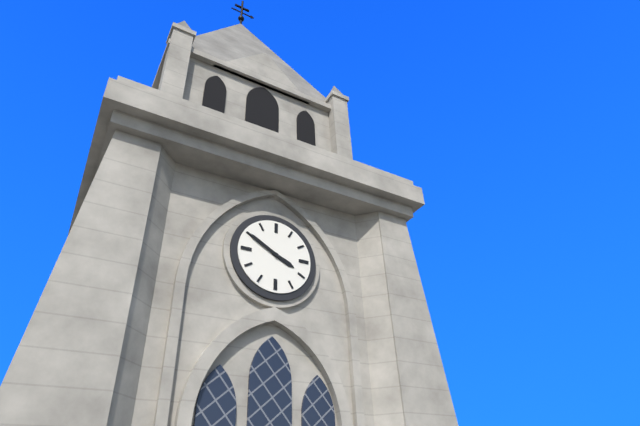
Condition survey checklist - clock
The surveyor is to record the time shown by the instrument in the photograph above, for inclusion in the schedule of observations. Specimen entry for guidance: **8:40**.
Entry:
**3:50**
